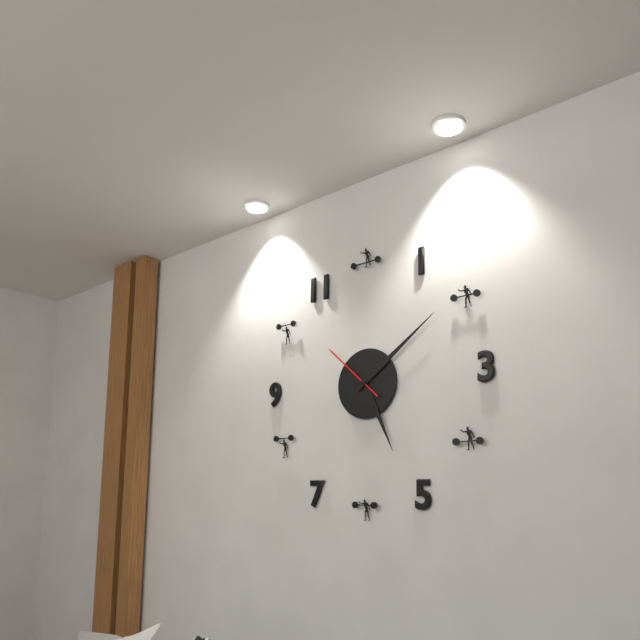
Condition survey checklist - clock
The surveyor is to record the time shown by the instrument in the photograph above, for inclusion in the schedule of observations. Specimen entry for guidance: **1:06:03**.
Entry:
**5:09:52**
